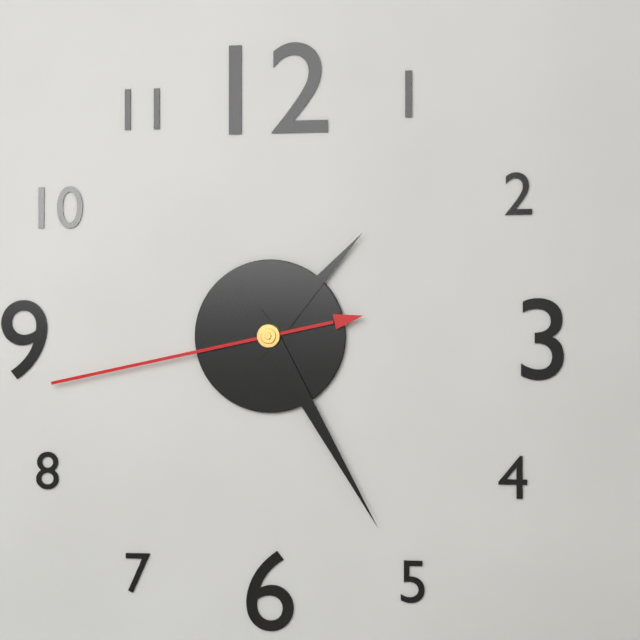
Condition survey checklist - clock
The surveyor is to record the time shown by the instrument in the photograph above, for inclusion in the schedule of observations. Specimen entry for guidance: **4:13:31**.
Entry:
**1:25:43**
